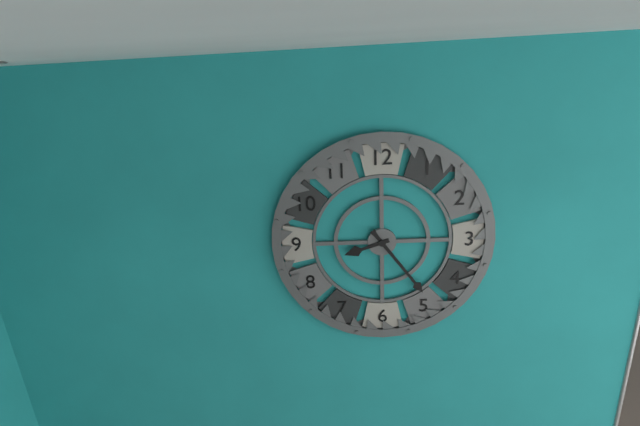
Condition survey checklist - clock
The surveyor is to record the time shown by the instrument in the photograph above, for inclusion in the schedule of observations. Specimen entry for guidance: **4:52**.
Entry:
**8:24**
